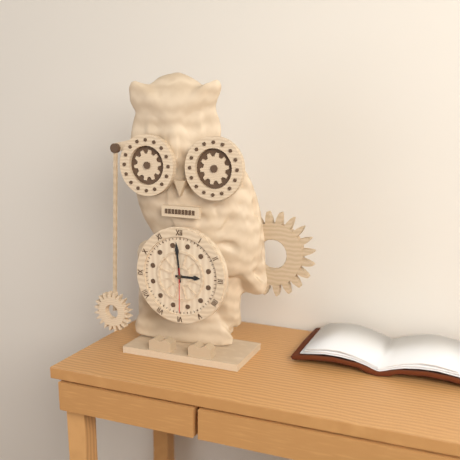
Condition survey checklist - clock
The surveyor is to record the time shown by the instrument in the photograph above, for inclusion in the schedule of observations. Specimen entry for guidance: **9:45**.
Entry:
**2:59**
